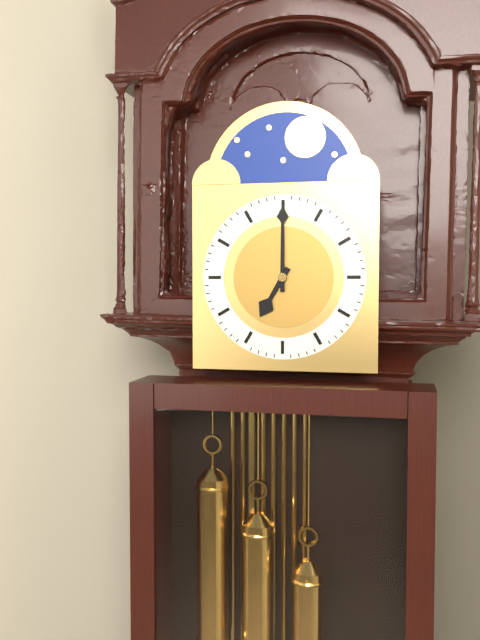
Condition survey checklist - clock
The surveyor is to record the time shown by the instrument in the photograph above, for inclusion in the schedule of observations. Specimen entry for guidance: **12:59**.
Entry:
**7:00**
